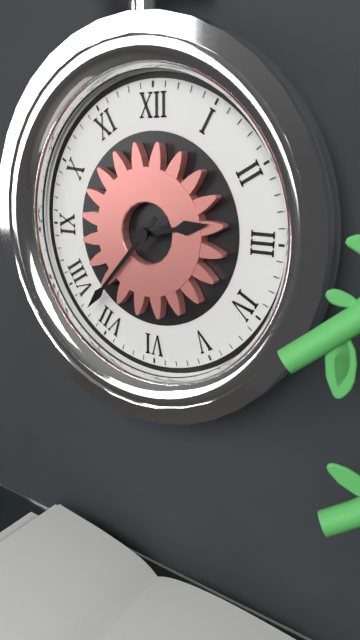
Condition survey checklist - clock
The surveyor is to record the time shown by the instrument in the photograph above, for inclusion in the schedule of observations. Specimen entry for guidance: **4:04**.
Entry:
**2:37**
